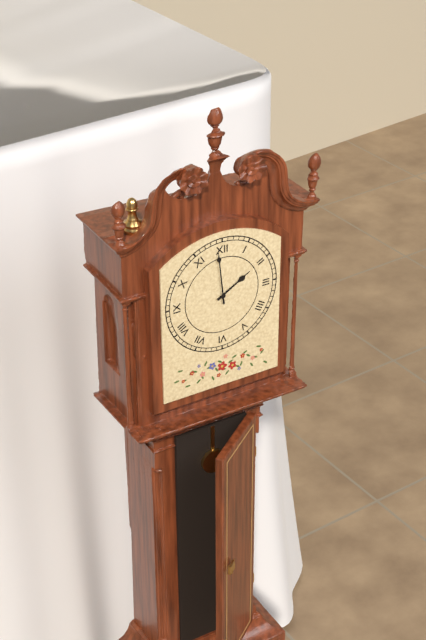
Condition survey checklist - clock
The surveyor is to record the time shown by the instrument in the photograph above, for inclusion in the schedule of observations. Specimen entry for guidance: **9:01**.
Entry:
**1:59**
